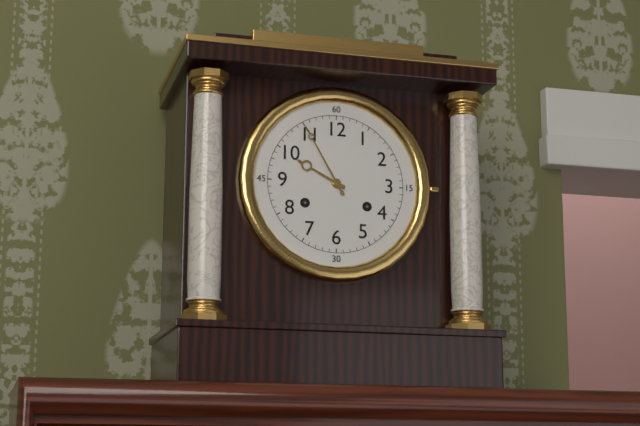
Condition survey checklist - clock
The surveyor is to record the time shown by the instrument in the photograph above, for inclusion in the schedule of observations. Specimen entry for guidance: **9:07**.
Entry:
**9:55**
